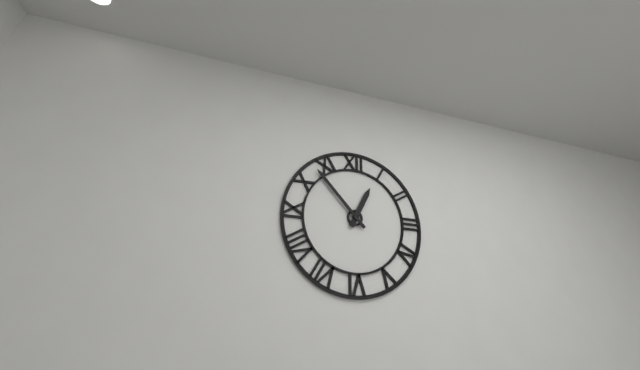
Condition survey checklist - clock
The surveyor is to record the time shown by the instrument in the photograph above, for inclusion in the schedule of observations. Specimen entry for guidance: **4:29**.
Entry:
**12:53**
